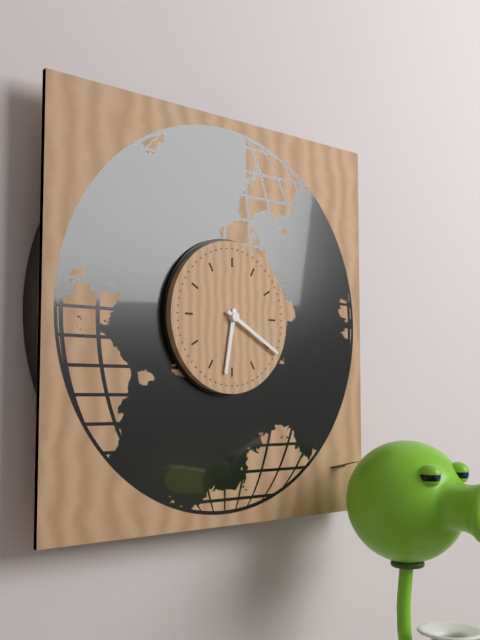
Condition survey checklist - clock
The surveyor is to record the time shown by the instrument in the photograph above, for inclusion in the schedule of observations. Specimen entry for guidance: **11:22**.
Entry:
**6:20**
